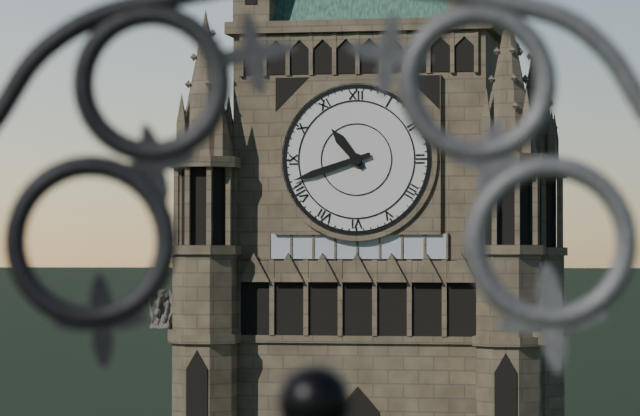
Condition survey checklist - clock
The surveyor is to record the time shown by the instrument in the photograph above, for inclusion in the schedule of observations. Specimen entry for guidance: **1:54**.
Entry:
**10:42**
